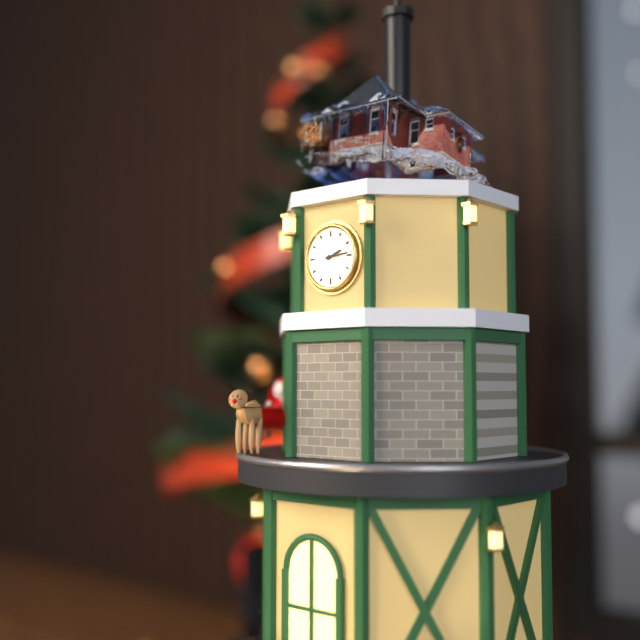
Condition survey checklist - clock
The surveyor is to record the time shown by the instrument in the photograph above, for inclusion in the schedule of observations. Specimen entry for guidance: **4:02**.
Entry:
**2:14**
